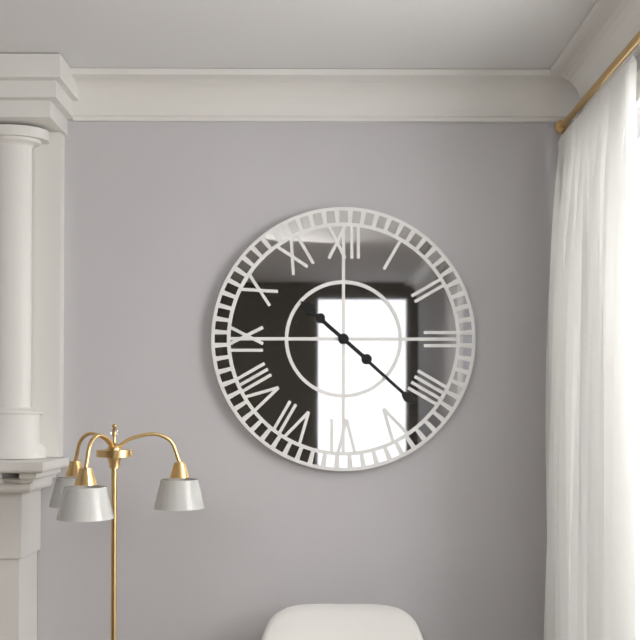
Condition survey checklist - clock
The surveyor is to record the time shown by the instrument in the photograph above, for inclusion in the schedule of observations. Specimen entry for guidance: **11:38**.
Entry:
**10:22**
